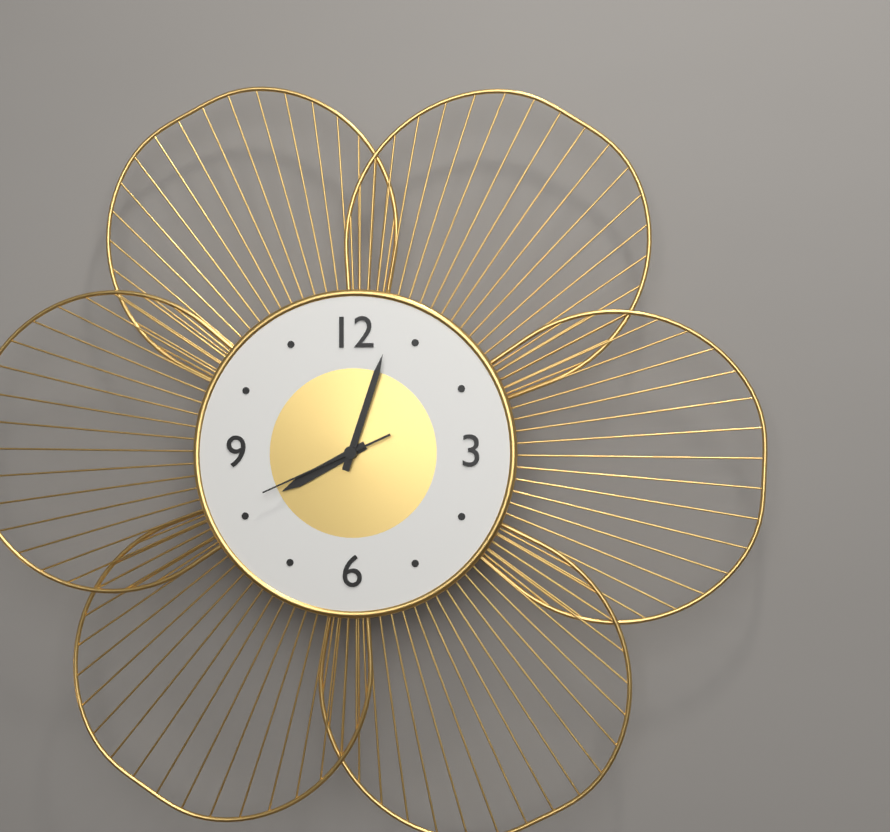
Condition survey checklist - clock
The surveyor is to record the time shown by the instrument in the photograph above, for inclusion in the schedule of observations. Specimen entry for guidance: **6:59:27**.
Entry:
**8:03:41**
